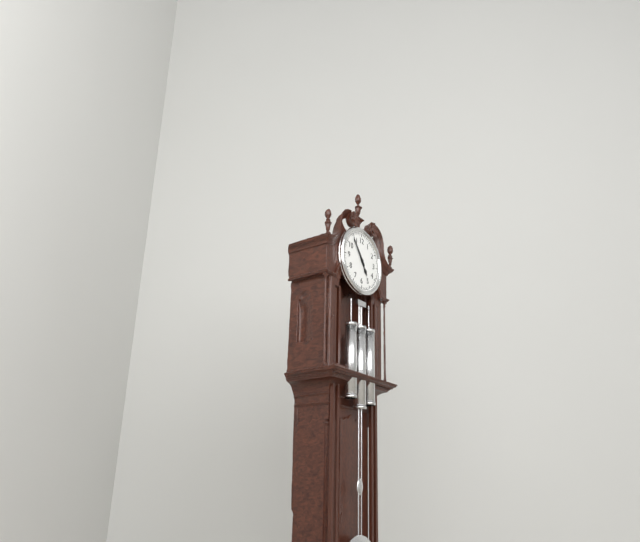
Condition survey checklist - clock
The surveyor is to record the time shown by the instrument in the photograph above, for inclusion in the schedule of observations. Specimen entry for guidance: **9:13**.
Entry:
**4:54**
